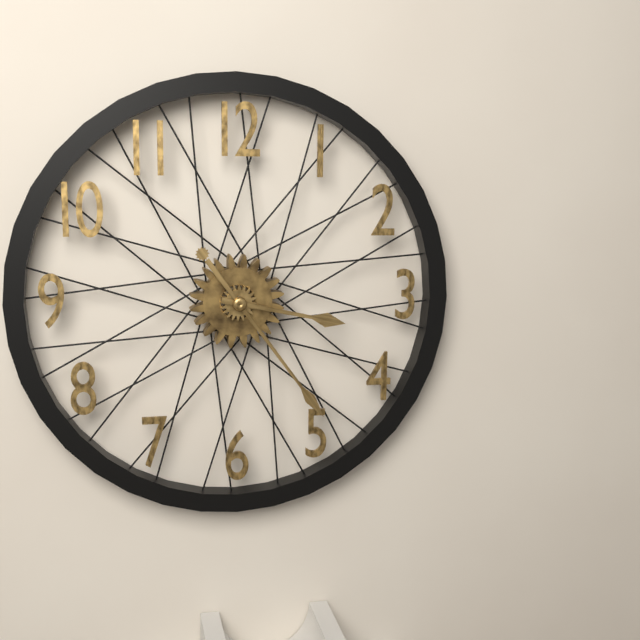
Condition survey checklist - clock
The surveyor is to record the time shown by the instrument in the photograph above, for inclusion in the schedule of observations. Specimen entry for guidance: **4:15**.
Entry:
**3:24**
